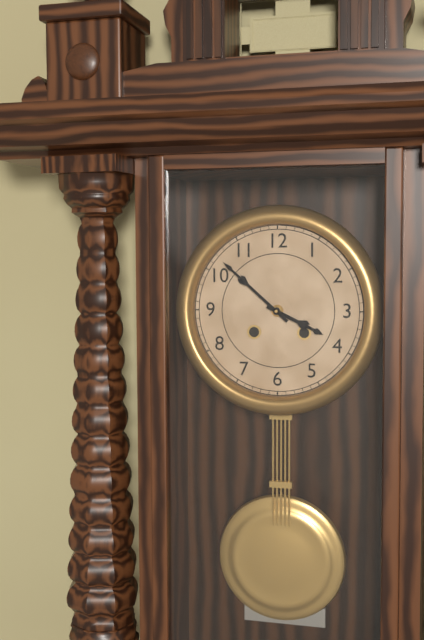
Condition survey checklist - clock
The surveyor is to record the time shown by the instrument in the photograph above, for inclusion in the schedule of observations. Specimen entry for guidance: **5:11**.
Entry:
**3:52**
